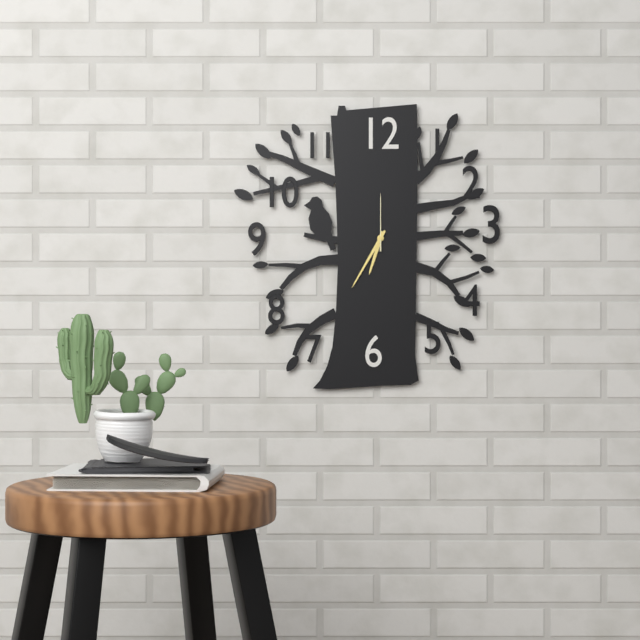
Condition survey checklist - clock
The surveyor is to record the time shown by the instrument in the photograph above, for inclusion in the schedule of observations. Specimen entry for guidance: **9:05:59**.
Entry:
**6:35:00**
